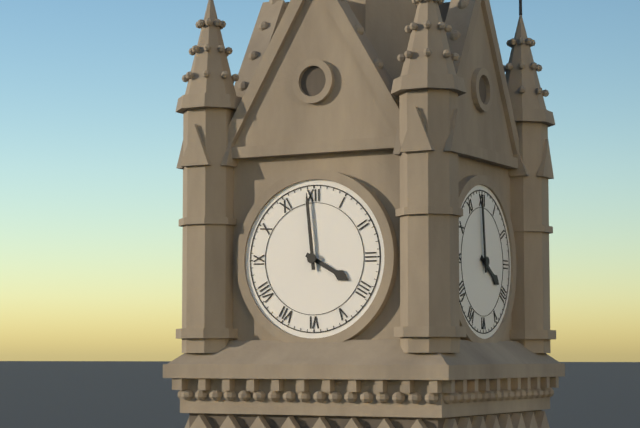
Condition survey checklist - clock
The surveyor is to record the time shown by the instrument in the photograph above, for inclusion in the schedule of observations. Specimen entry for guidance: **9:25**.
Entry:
**3:59**
